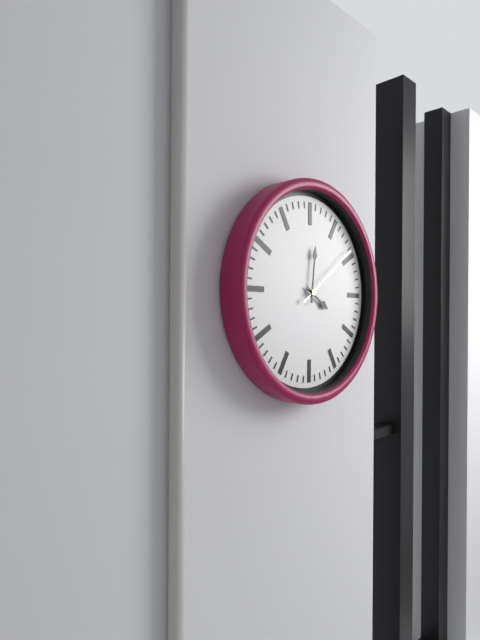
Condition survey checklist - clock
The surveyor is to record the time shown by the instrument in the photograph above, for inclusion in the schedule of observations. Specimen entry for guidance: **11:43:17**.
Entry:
**4:01:09**
